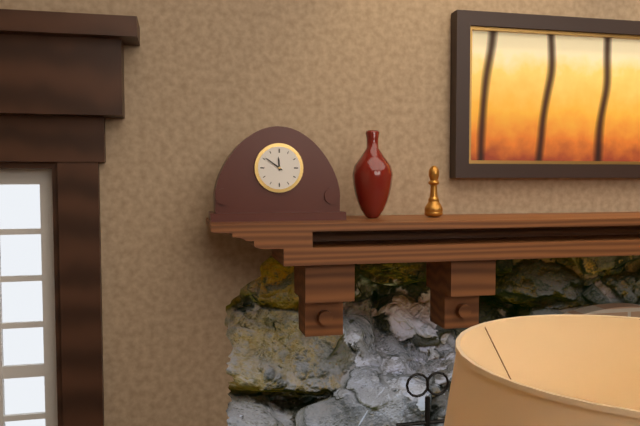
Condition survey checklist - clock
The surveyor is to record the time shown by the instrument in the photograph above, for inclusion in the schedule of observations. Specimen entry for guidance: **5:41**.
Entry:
**11:51**
